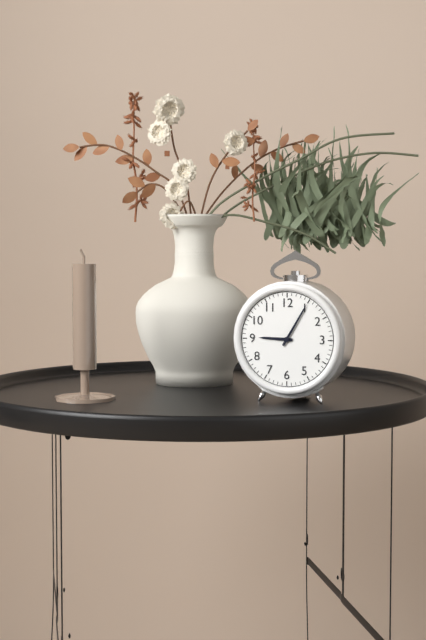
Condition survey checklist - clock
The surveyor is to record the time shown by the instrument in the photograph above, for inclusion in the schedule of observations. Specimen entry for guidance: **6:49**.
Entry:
**9:05**
